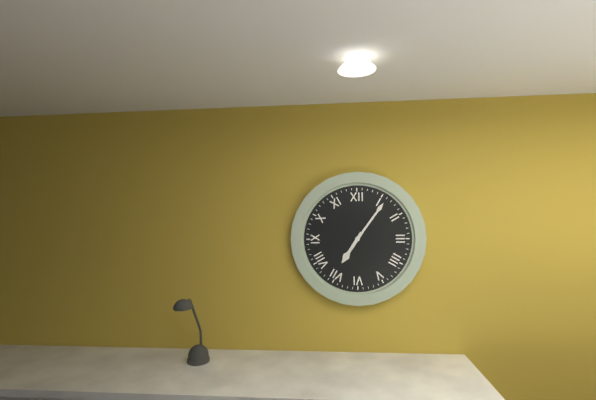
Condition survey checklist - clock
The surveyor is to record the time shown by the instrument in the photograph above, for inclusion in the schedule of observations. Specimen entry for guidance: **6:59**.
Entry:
**7:06**
